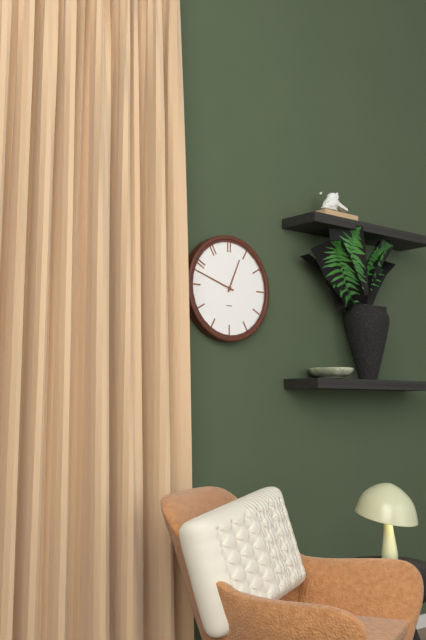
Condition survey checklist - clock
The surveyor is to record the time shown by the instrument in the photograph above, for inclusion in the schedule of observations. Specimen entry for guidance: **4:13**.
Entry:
**12:48**
